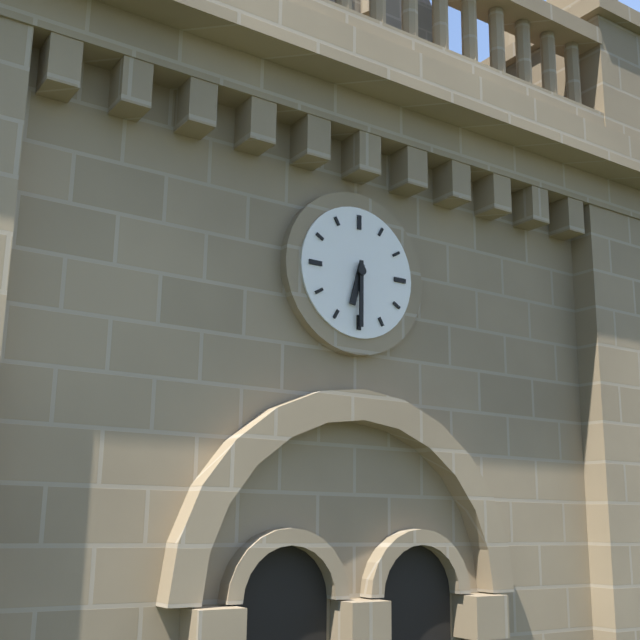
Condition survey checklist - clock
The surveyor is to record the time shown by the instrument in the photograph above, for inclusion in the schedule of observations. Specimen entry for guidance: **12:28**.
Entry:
**6:30**
